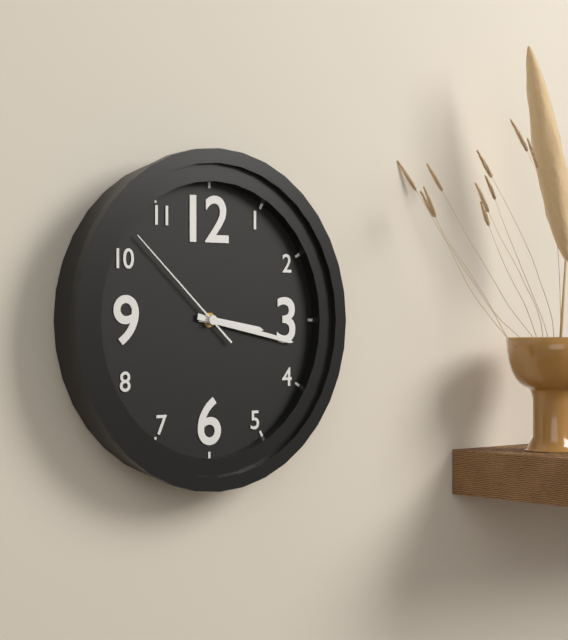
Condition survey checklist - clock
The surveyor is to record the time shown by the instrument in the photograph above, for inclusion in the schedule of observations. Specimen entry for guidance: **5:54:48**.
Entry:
**3:17:52**
